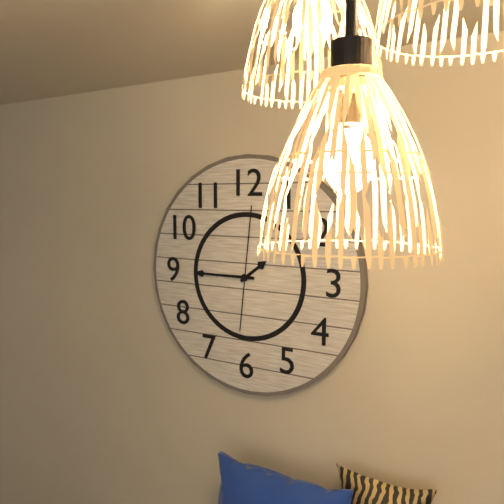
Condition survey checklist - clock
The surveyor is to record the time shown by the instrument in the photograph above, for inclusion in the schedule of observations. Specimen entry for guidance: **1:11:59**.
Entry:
**1:45:01**
